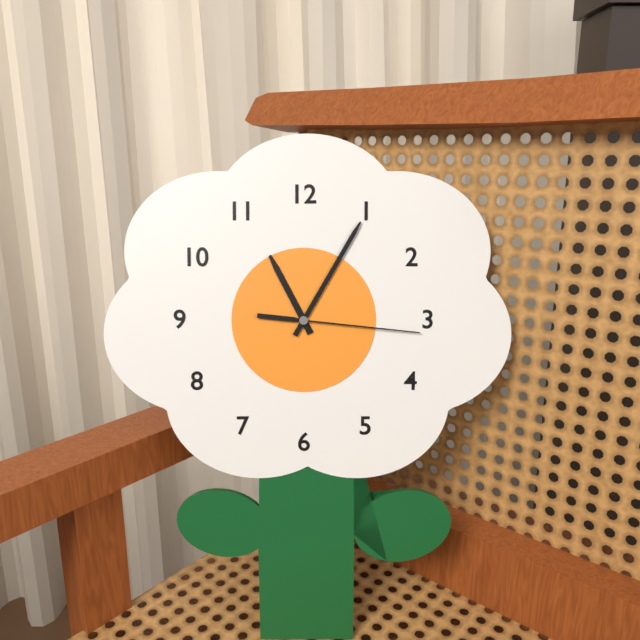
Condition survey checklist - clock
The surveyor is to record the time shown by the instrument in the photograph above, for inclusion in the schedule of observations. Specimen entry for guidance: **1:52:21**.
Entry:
**11:05:16**
